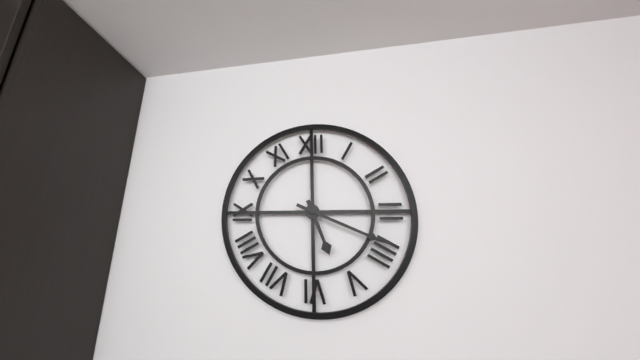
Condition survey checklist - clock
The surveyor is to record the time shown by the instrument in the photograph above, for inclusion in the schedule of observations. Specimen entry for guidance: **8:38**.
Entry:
**5:19**
